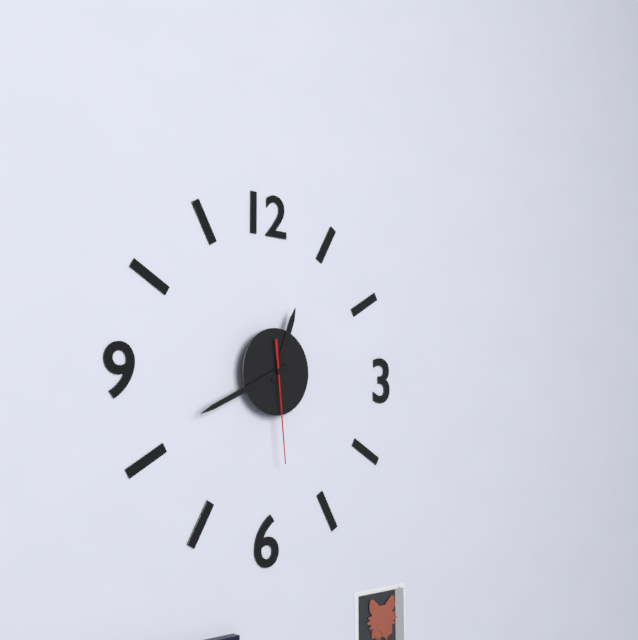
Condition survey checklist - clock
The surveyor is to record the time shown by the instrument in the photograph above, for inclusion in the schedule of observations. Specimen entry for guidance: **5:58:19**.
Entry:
**12:41:29**
